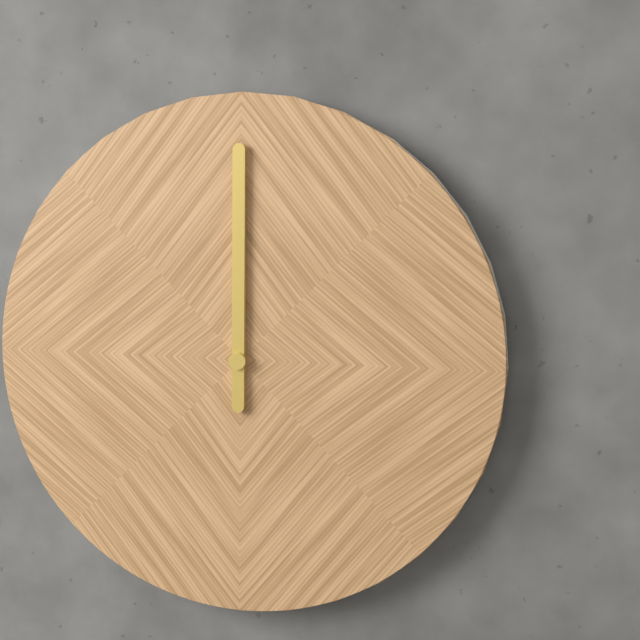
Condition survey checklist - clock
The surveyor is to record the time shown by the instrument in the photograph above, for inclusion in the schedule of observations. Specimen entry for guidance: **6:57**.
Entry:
**12:00**
